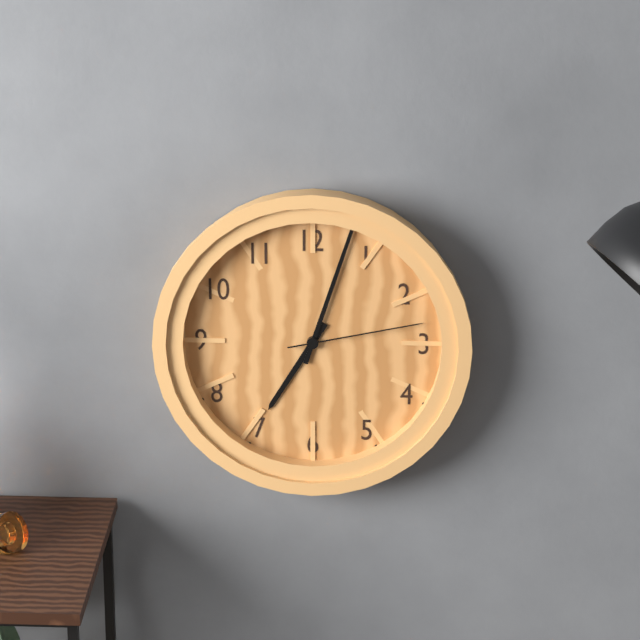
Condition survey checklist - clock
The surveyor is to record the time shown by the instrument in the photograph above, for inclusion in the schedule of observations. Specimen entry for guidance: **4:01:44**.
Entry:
**7:03:13**
